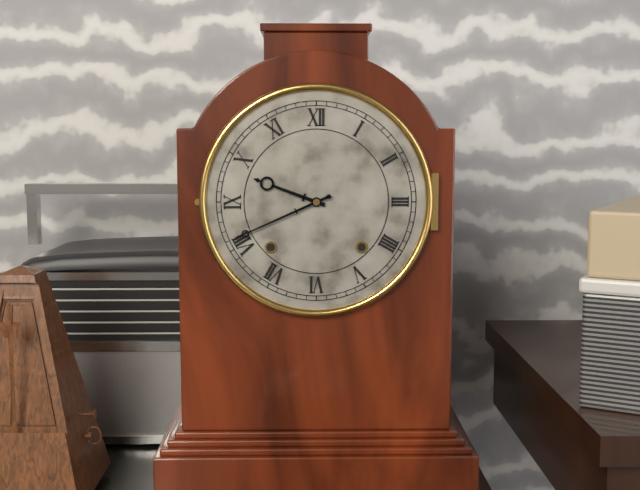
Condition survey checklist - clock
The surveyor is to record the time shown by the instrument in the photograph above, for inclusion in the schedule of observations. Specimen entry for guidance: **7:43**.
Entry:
**9:41**
